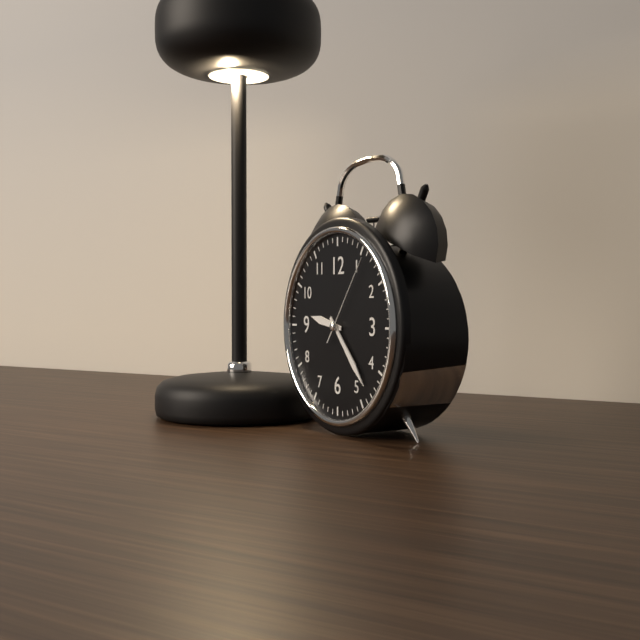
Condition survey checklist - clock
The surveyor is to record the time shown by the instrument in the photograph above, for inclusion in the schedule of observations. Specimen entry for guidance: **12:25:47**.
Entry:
**9:23:06**
